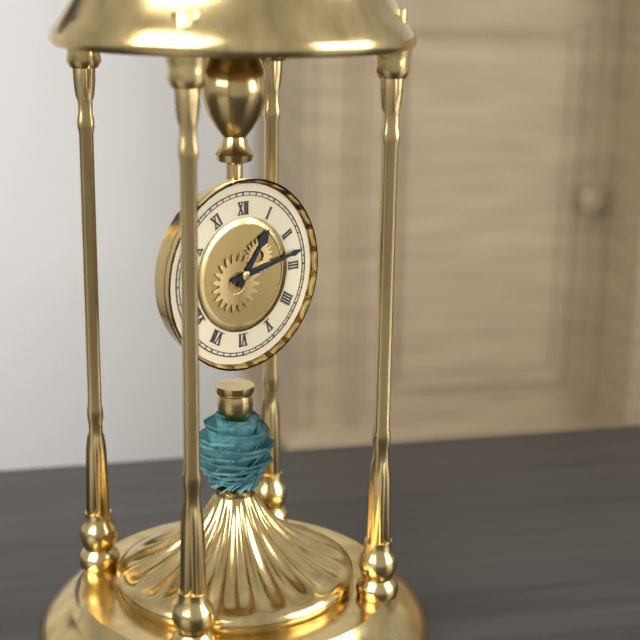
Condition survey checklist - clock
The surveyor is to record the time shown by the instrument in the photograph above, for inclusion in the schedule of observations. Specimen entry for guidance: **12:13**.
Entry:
**1:13**
